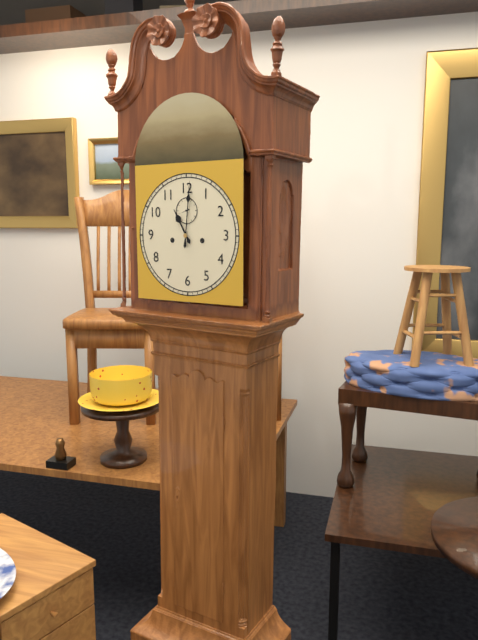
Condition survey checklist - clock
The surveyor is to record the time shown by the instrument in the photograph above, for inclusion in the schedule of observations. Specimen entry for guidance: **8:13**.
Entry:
**11:01**
